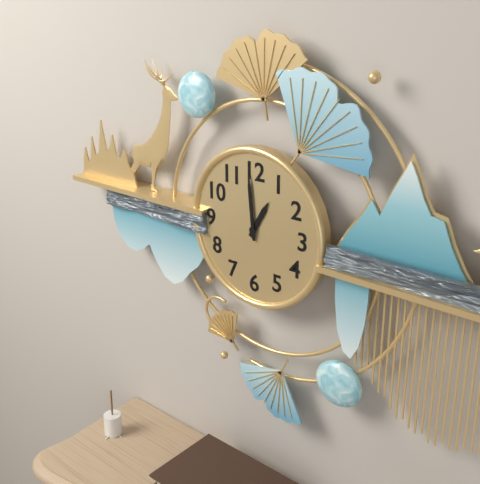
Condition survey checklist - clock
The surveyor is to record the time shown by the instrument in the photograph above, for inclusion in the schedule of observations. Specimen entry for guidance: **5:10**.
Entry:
**12:59**
